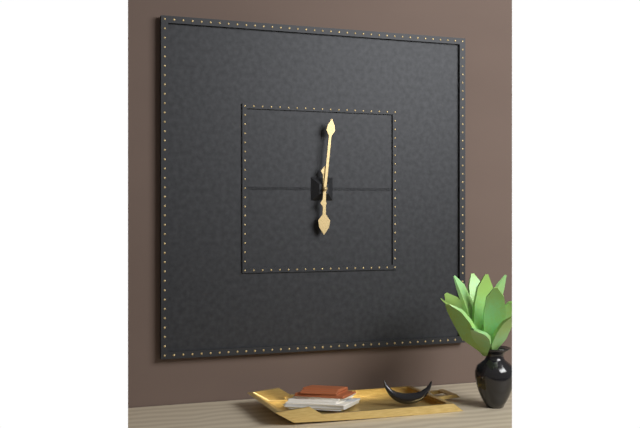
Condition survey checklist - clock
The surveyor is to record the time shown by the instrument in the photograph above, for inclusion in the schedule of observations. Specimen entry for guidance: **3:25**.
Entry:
**6:01**
